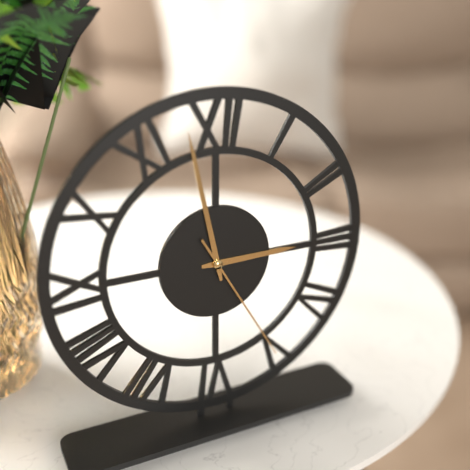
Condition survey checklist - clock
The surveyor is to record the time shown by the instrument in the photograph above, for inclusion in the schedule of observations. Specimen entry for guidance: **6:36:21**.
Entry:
**2:58:25**
